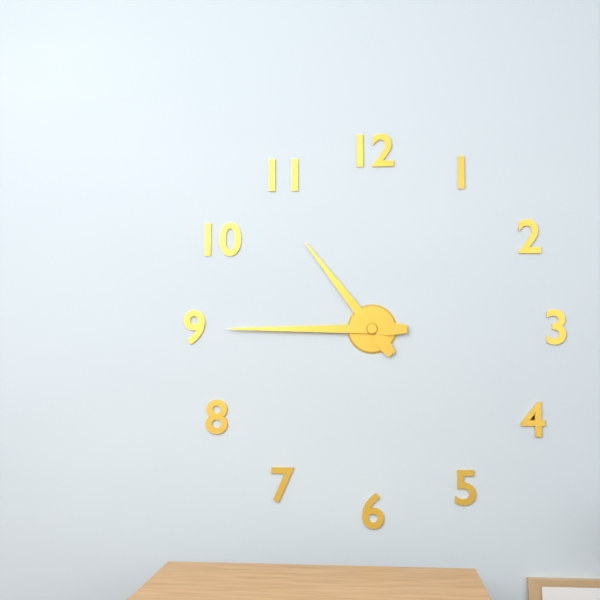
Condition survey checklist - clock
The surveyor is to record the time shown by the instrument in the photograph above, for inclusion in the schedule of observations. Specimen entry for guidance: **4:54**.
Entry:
**10:45**
